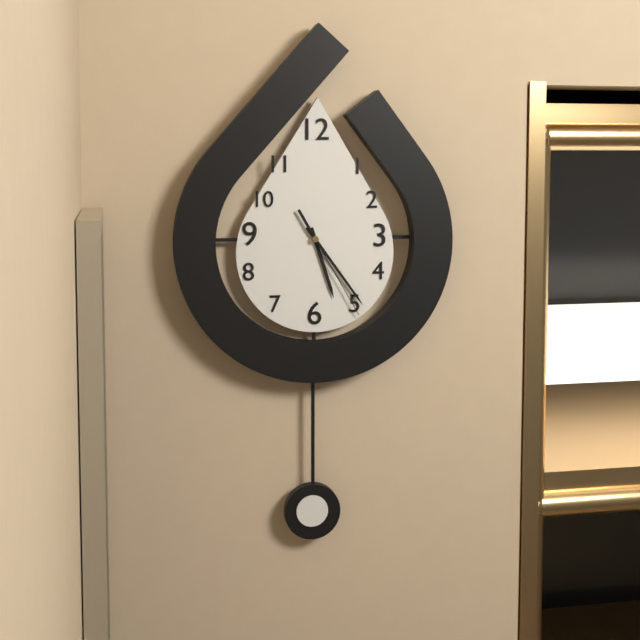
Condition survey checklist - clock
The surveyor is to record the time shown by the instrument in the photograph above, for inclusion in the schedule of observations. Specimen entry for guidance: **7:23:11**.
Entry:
**5:24:25**
